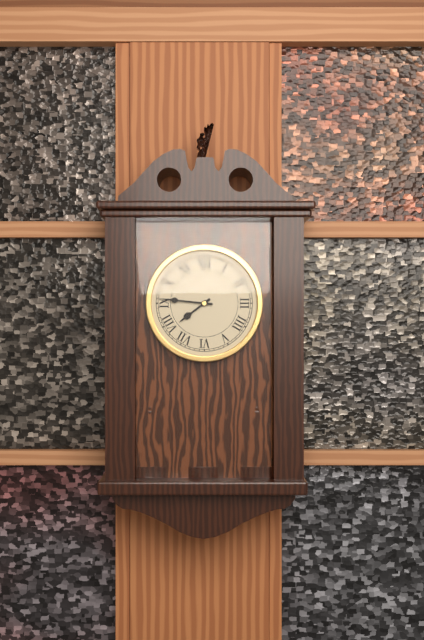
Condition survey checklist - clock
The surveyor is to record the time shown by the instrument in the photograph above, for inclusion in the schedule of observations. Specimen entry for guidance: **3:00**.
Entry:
**7:46**
